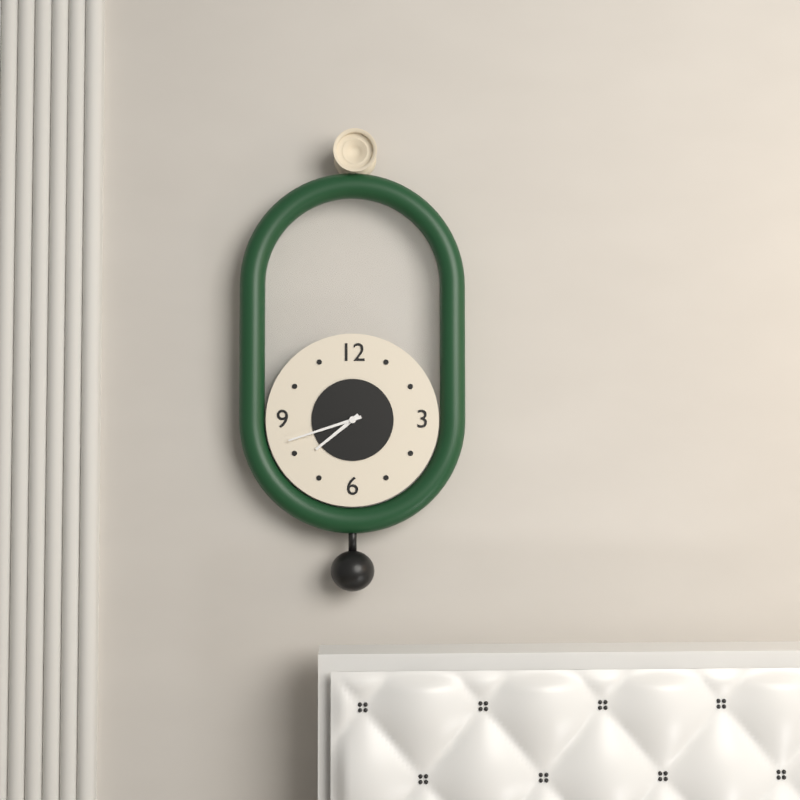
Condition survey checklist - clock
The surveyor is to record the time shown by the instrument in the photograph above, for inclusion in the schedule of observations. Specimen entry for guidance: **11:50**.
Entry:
**7:42**
